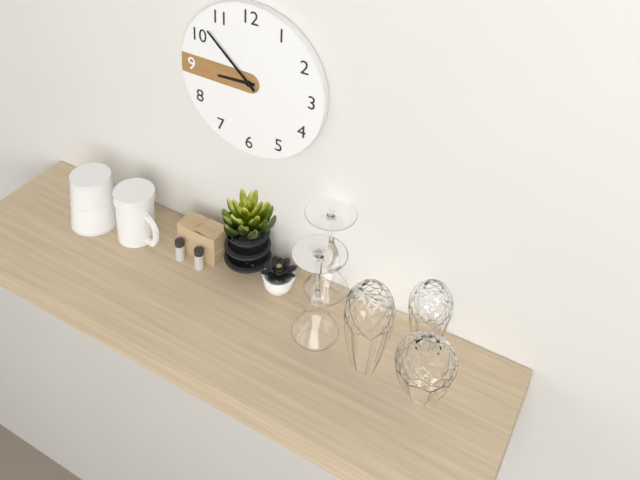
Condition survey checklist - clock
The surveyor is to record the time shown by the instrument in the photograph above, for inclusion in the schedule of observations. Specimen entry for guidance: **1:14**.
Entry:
**8:52**
